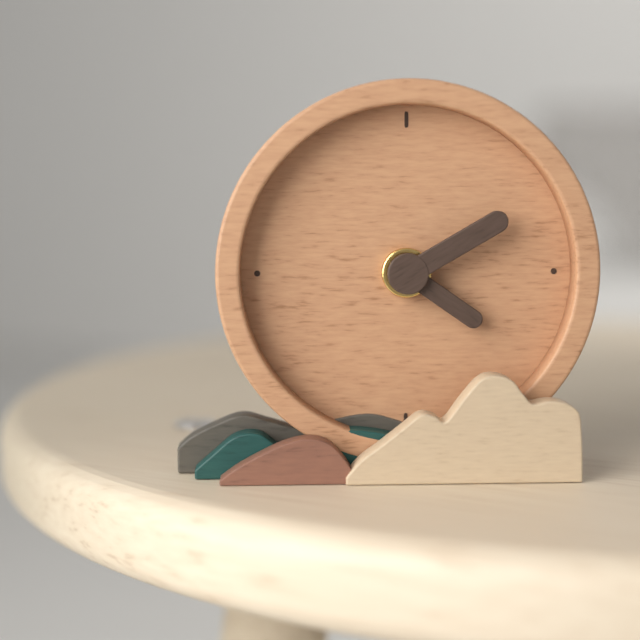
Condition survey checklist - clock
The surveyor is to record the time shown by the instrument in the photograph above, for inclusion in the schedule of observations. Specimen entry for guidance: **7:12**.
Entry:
**4:10**
